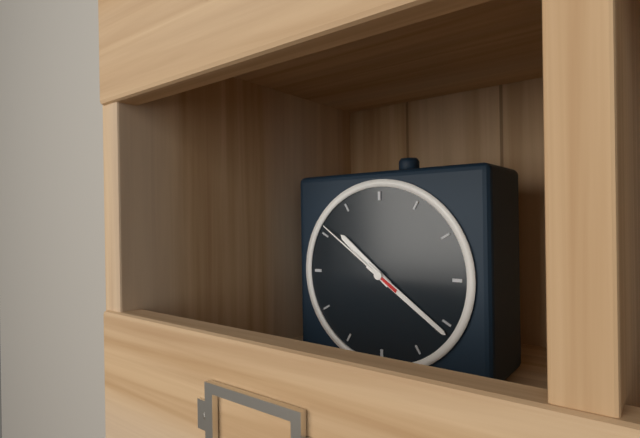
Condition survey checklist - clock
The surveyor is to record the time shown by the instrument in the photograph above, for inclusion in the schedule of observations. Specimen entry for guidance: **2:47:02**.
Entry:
**10:21:51**
